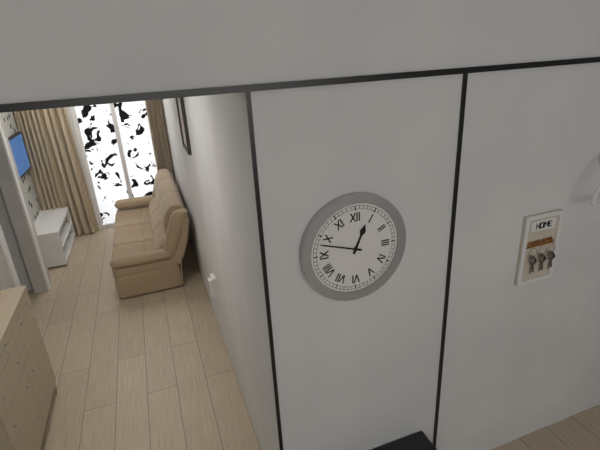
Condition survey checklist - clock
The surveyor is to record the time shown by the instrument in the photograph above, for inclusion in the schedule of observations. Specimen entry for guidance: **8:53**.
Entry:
**12:48**
